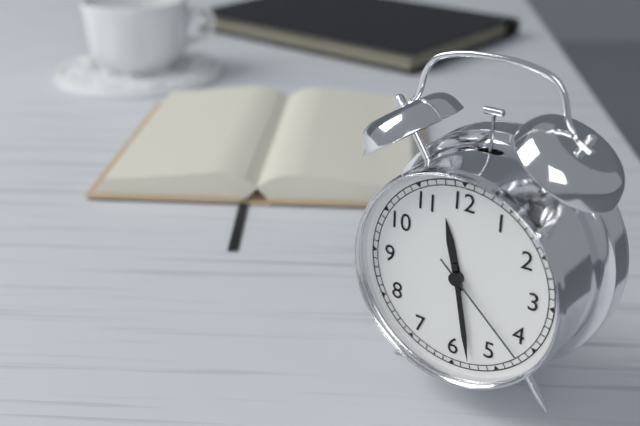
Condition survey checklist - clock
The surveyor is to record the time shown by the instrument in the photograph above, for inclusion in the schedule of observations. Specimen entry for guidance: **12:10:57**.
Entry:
**11:28:22**
